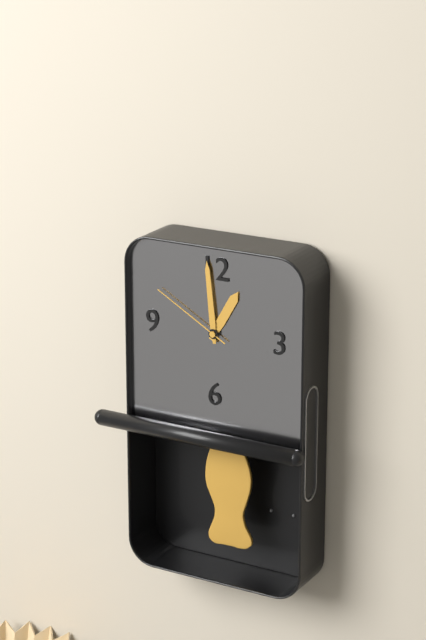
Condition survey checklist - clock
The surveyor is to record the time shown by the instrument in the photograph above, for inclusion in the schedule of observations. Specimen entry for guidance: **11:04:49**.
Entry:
**12:59:50**
